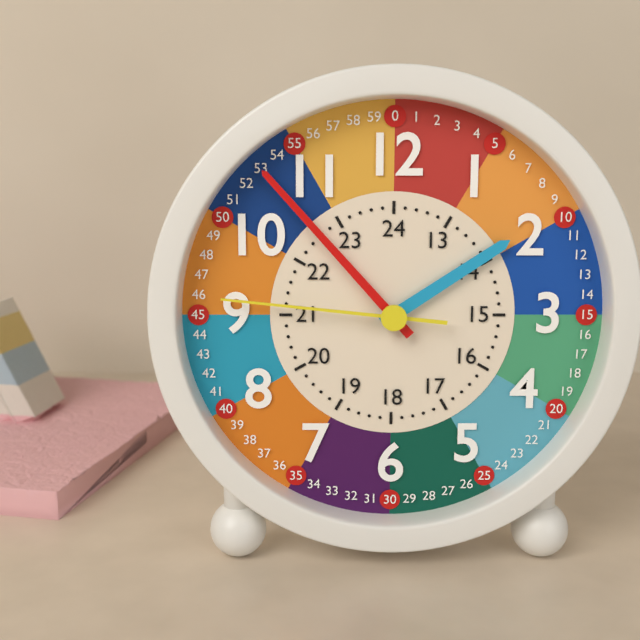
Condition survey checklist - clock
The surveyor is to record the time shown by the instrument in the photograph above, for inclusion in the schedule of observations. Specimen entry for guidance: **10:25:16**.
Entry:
**1:53:46**
